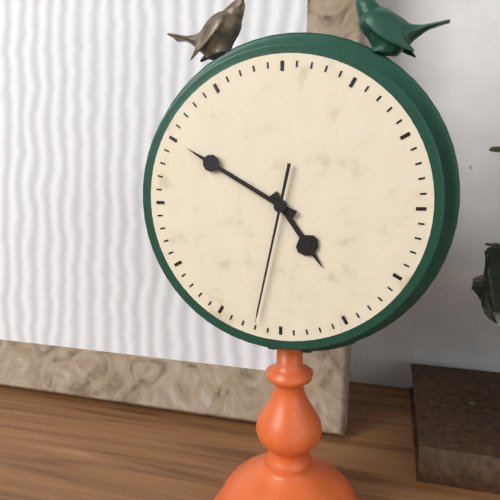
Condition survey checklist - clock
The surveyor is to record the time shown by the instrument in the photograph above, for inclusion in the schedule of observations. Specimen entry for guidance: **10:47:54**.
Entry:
**4:50:32**
